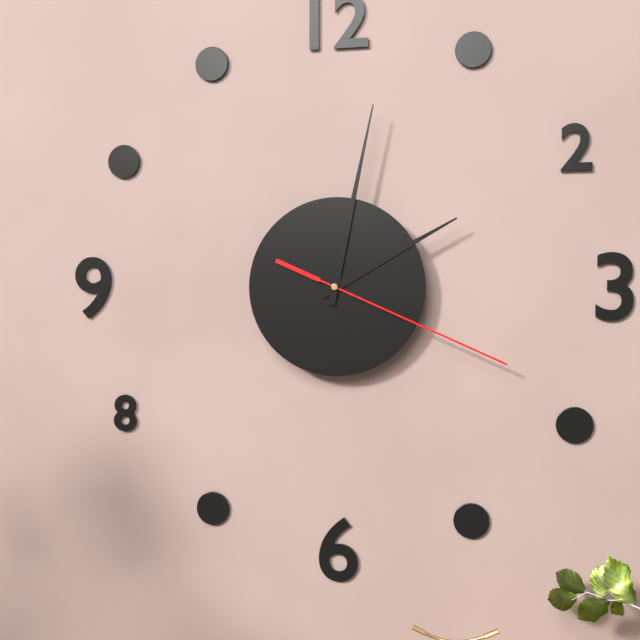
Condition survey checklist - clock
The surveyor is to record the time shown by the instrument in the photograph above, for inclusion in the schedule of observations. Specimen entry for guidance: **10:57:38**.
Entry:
**2:02:19**
